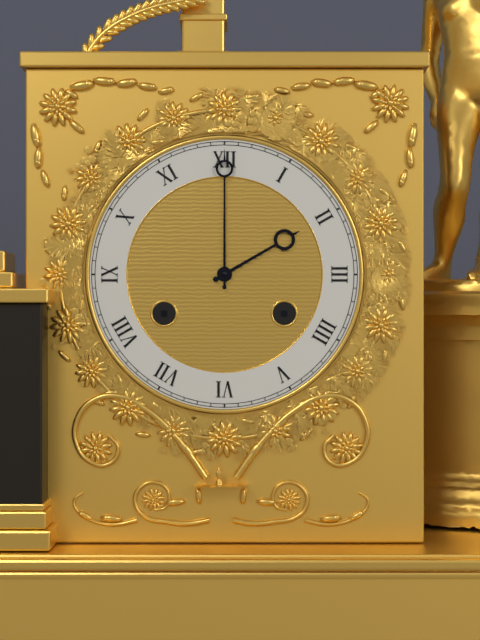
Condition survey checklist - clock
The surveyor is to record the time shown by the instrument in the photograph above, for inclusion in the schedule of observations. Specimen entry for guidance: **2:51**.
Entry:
**2:00**
